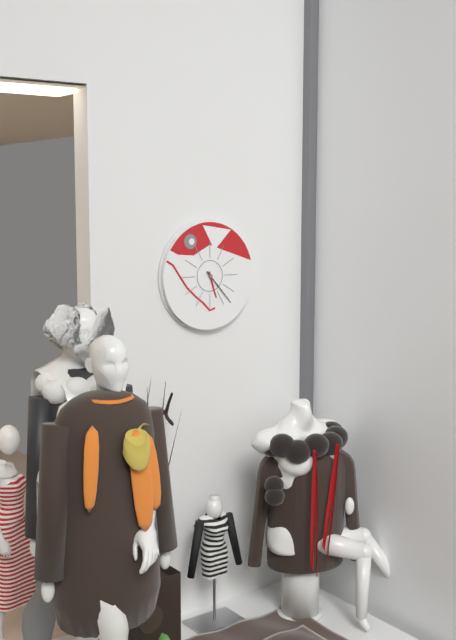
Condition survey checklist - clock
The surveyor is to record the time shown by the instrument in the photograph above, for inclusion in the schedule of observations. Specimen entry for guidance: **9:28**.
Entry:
**5:23**
